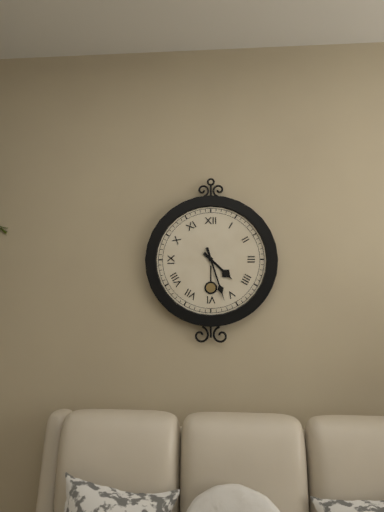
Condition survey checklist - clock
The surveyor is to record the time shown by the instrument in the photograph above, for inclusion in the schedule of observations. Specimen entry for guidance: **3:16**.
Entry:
**4:27**
